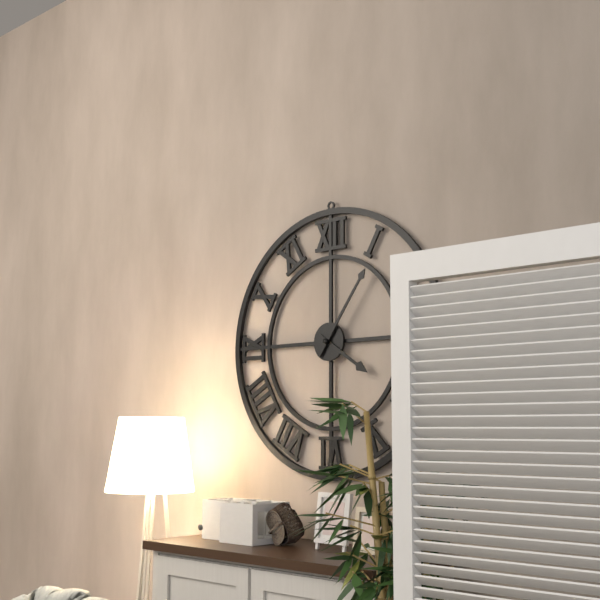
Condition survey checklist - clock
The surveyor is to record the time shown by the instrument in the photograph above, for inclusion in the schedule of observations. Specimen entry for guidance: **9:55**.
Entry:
**4:06**
